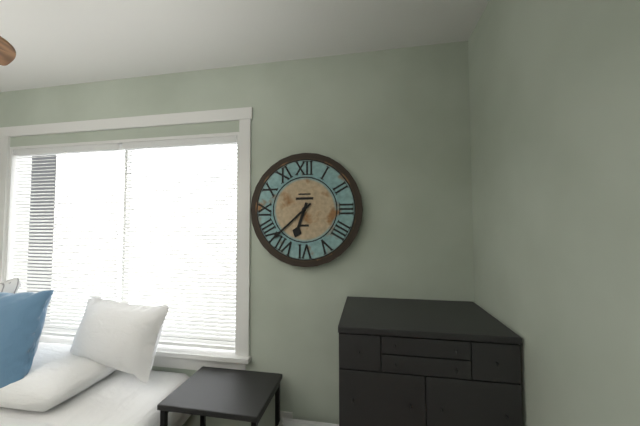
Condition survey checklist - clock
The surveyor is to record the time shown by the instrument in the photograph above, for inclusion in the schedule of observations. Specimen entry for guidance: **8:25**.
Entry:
**6:38**
